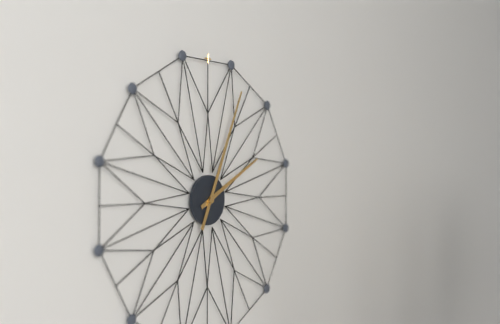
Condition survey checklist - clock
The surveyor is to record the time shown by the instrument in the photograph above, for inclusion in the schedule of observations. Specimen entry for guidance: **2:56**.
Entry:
**2:04**
